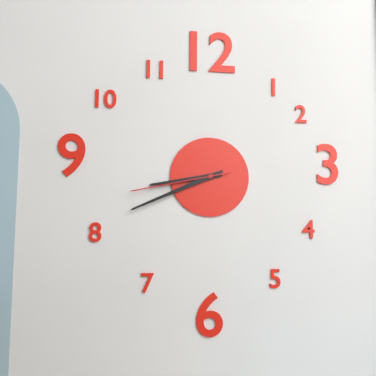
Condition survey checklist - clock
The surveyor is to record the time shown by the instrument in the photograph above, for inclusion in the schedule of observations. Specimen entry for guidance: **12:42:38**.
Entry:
**8:41:43**
